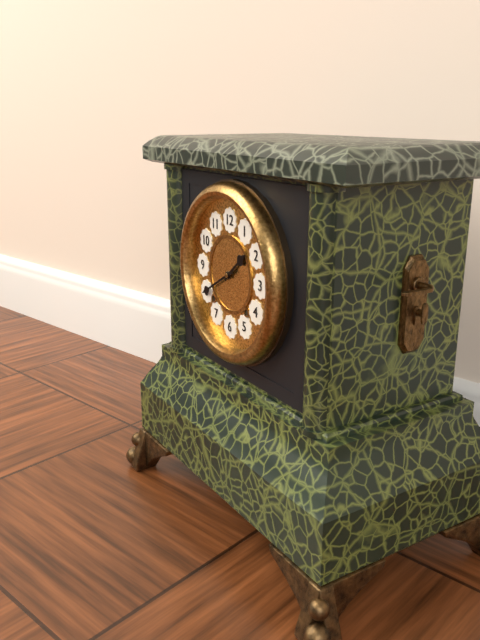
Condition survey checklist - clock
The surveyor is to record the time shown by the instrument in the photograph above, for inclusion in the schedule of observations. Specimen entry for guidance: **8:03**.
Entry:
**1:40**
